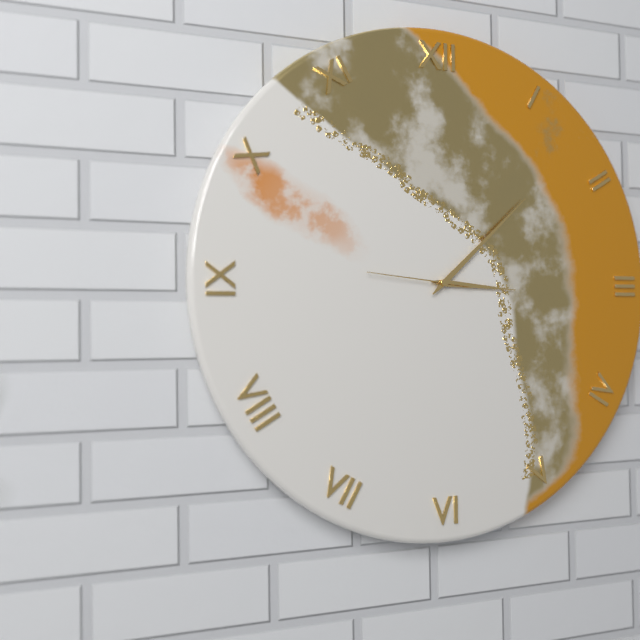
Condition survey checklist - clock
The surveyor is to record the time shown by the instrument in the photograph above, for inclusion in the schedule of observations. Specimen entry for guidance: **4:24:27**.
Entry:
**3:08:46**
